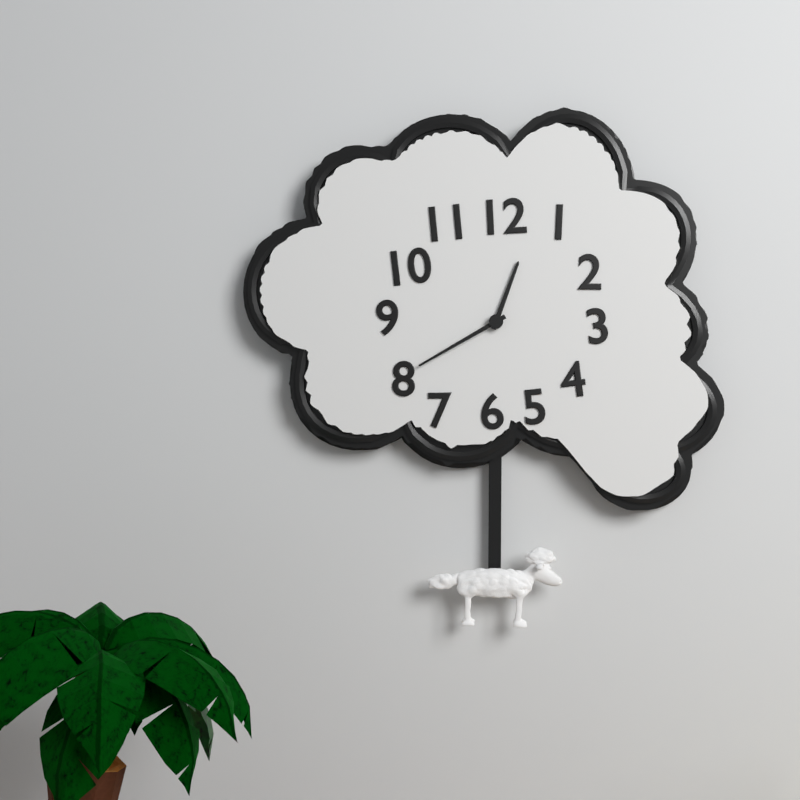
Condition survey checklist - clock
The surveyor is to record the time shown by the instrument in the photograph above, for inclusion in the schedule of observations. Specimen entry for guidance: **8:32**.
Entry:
**12:40**
